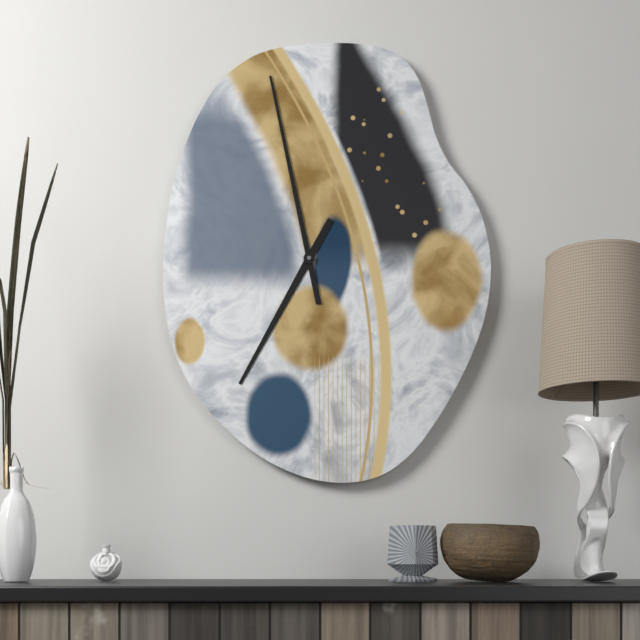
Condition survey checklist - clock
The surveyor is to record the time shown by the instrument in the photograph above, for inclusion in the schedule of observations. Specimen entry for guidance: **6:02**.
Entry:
**6:58**
